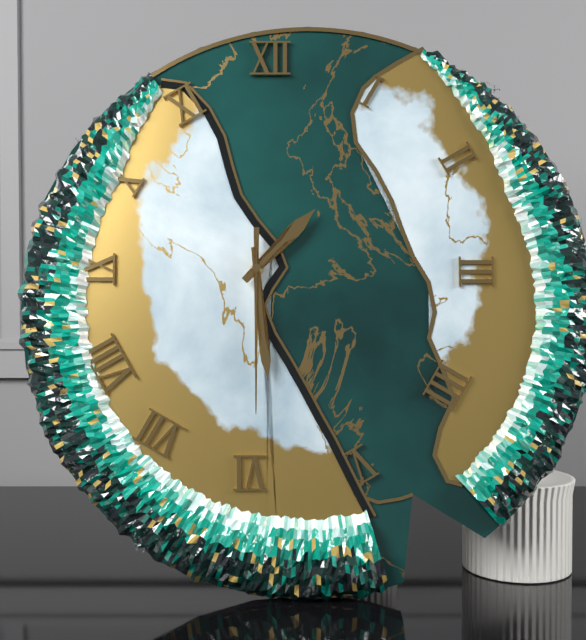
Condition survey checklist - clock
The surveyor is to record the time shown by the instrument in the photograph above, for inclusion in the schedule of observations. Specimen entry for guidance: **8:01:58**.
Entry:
**1:29:30**
